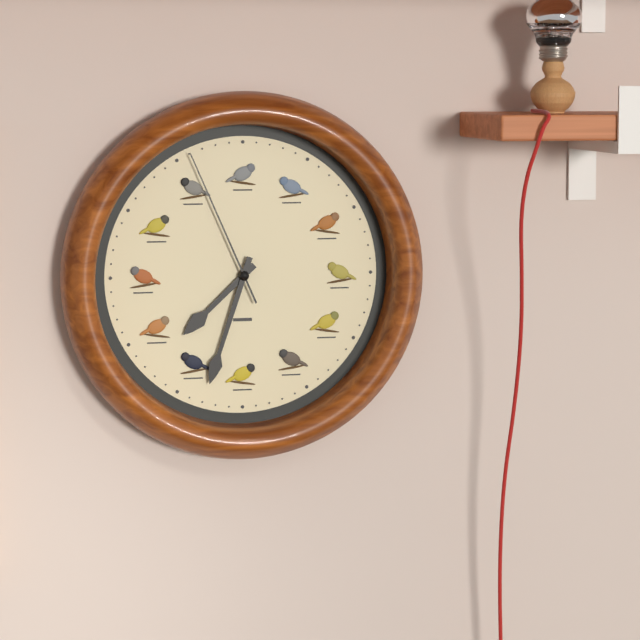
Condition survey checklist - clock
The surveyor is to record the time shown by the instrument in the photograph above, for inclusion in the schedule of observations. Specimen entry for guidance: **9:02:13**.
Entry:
**7:33:56**
